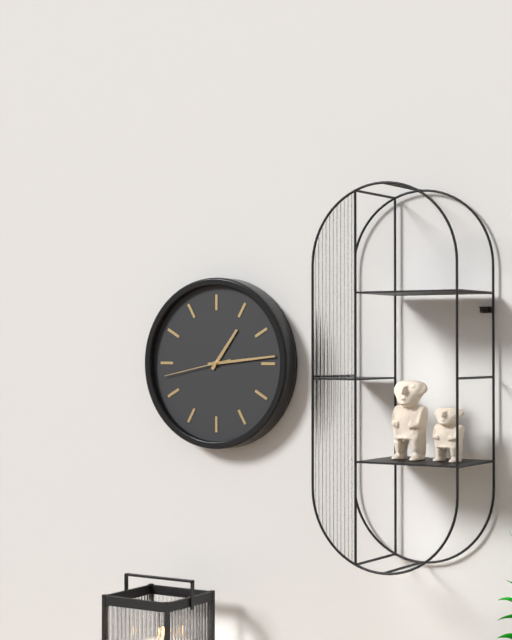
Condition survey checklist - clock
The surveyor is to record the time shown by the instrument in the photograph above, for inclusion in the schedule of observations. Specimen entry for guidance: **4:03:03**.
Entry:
**1:14:43**
